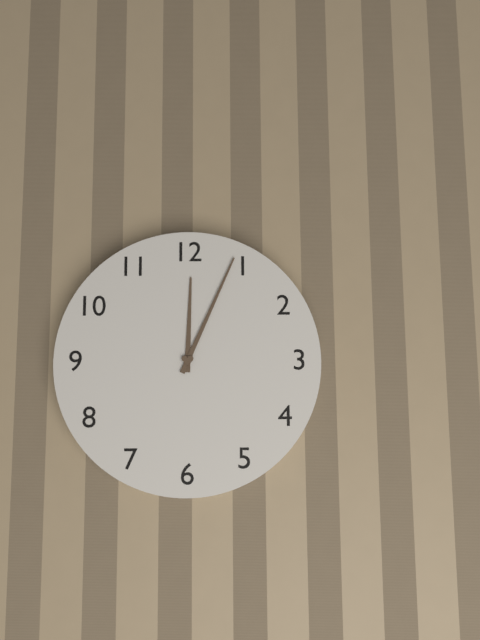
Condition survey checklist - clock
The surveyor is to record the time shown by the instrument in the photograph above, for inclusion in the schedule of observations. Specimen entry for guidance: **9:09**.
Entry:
**12:04**
